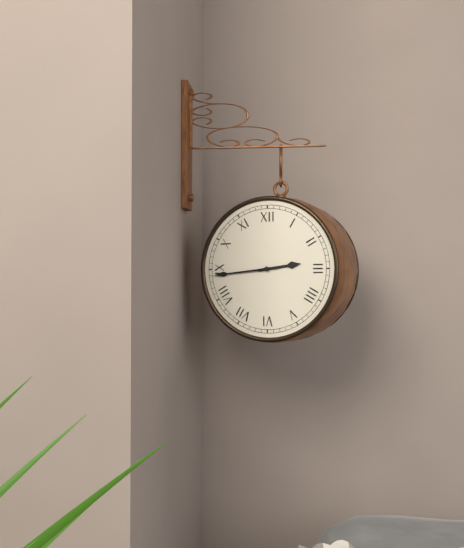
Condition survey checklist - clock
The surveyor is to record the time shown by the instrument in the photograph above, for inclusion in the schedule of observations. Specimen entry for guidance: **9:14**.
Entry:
**2:44**
